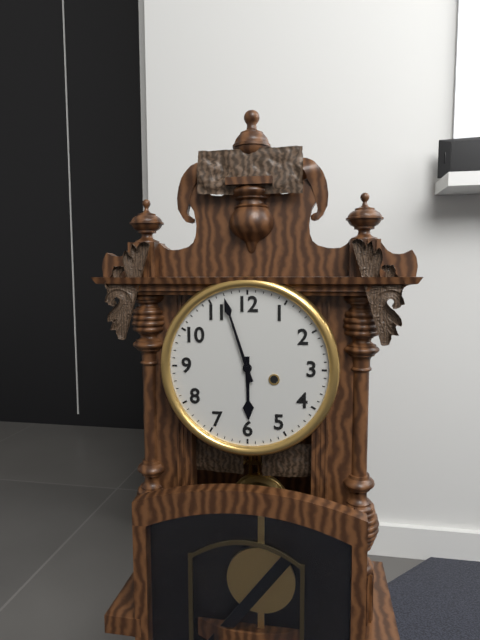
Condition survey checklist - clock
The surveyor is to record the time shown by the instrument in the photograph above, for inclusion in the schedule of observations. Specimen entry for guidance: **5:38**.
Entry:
**5:57**
